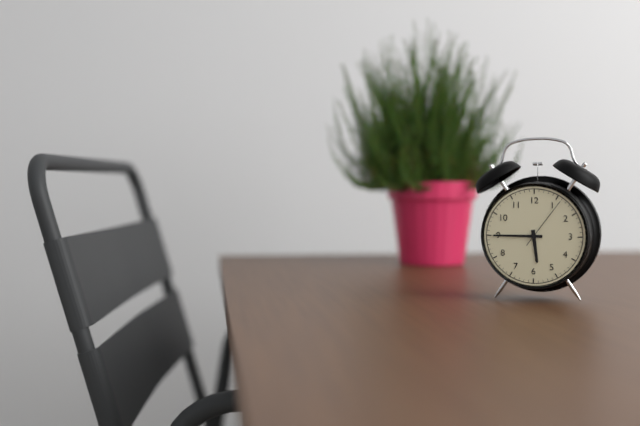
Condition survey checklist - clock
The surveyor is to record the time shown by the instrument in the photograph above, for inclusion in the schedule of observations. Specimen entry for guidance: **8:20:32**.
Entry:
**5:45:06**
